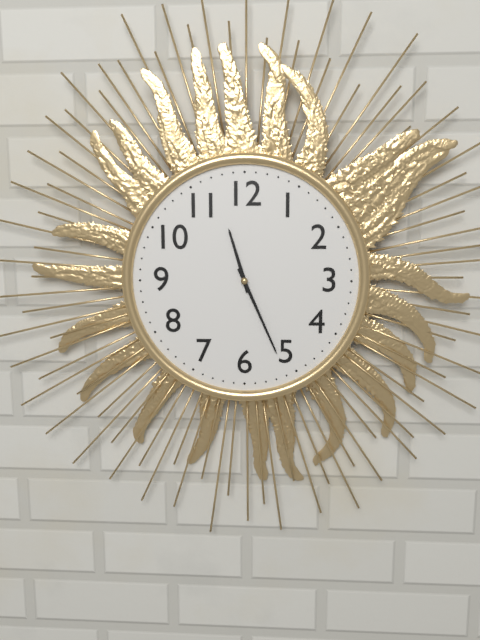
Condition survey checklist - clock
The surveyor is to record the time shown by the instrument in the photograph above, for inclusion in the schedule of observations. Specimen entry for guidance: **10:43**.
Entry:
**11:26**
